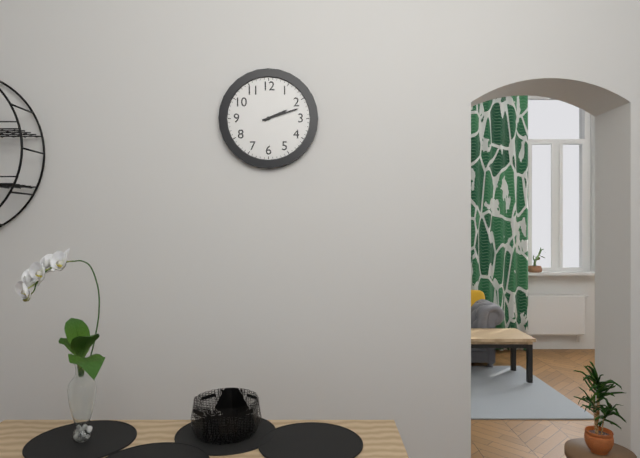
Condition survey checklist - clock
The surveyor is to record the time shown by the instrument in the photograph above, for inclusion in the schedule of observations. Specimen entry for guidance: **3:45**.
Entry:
**2:12**
